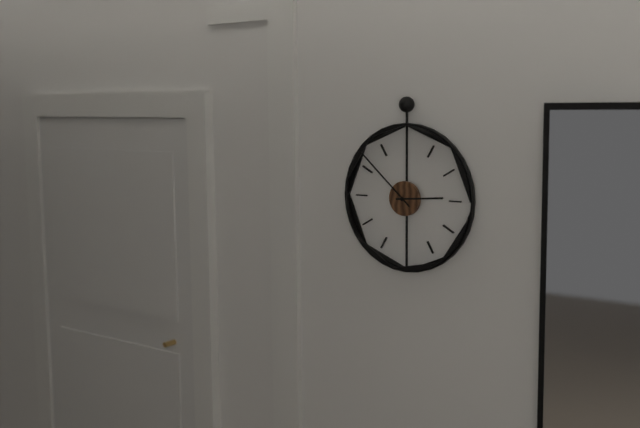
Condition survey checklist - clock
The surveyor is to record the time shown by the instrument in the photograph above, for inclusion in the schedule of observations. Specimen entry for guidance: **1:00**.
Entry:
**2:52**
